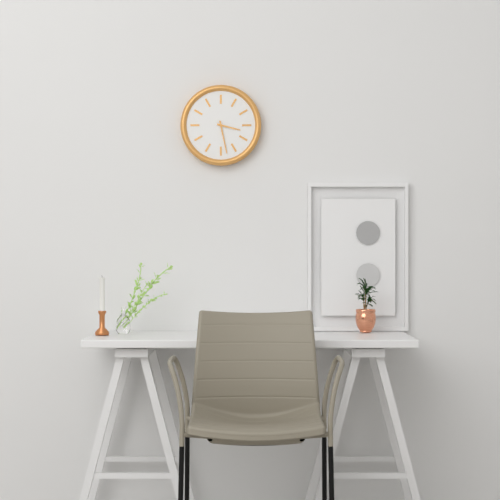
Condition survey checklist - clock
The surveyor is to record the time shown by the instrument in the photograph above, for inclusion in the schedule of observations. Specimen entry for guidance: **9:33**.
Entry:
**3:28**
